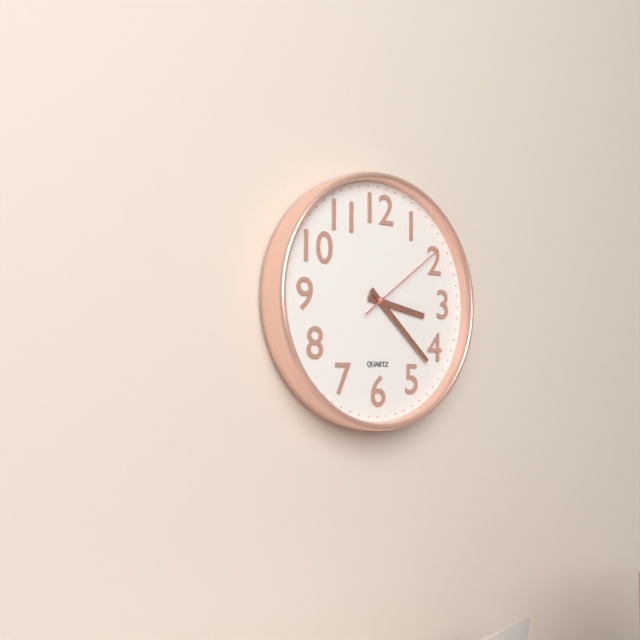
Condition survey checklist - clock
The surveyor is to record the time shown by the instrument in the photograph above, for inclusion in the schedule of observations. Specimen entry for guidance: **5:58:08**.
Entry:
**3:22:09**
